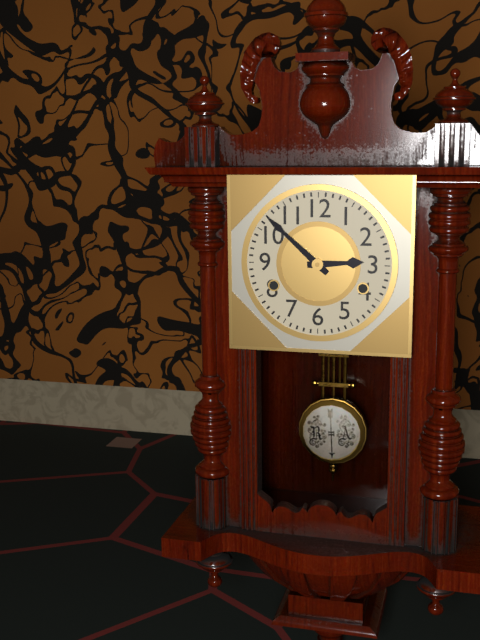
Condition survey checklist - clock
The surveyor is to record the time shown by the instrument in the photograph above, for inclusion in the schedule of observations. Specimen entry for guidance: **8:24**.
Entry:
**2:52**
